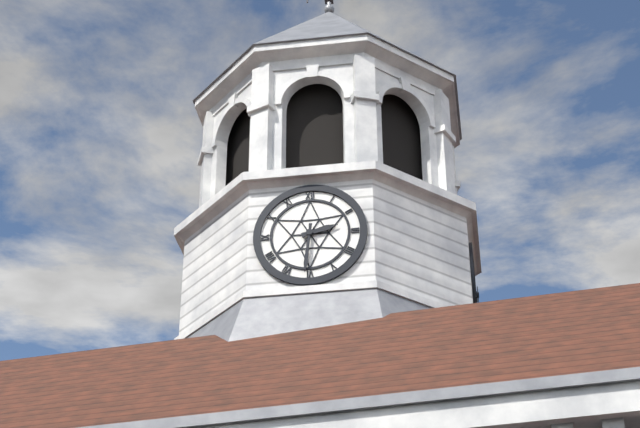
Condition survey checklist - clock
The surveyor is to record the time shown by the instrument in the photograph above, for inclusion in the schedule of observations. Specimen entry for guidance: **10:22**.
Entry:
**2:31**
